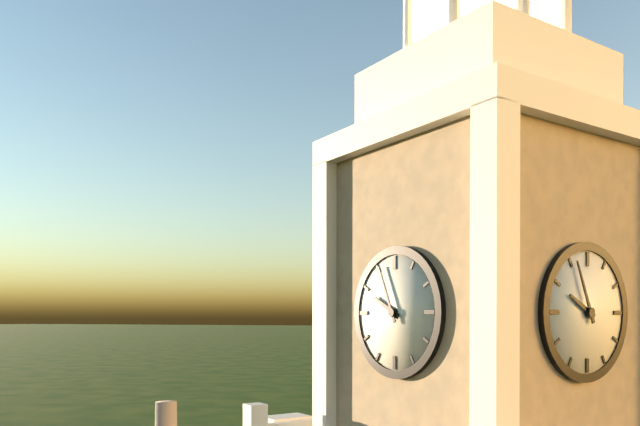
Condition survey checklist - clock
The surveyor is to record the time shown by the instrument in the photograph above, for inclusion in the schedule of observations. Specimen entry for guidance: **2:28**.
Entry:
**9:56**
